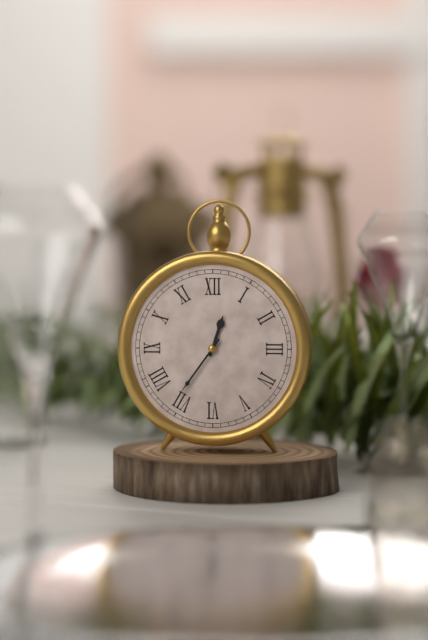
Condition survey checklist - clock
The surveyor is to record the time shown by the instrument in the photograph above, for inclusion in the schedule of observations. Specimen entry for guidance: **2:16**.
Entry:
**12:36**
